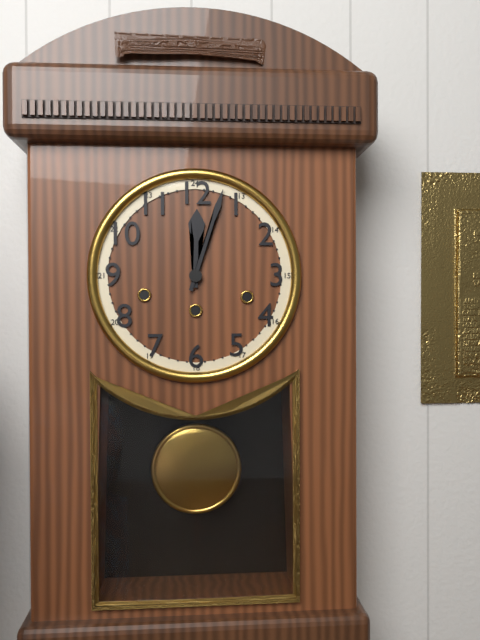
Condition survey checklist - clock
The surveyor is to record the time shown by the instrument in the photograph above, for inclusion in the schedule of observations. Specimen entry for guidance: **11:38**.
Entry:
**12:03**
